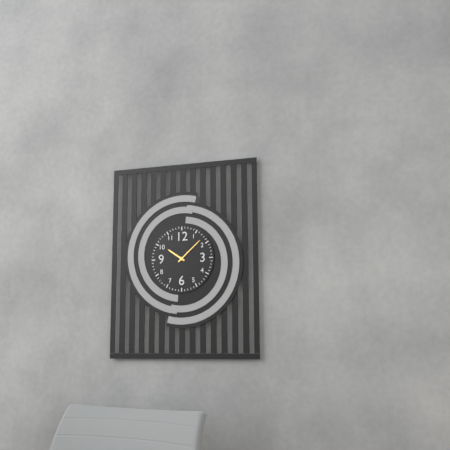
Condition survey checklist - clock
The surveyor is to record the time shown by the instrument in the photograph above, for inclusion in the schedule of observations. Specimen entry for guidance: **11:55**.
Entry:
**10:08**
